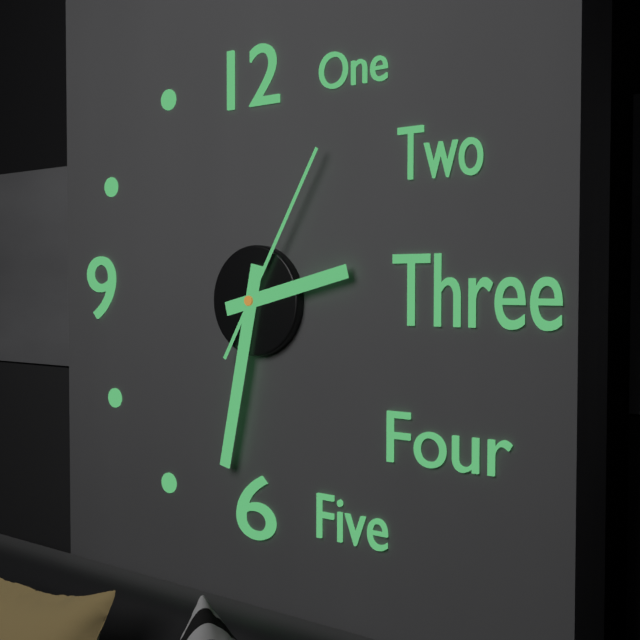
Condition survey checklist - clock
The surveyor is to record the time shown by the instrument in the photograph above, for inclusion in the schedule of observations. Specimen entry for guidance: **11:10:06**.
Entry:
**2:32:05**
